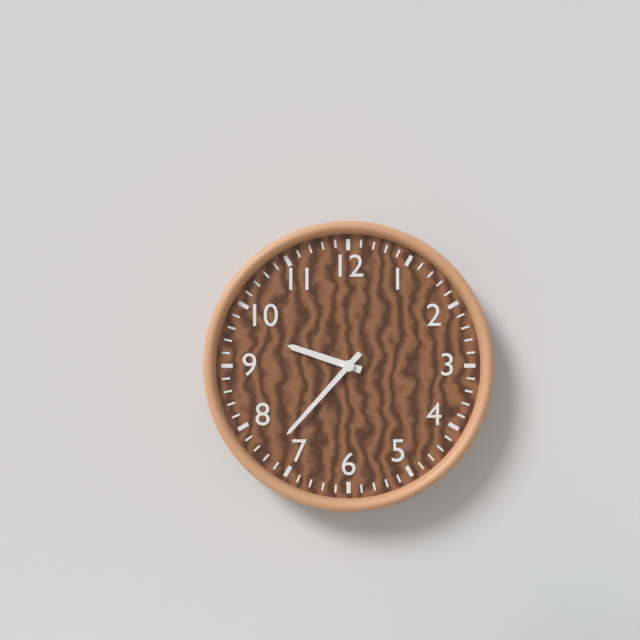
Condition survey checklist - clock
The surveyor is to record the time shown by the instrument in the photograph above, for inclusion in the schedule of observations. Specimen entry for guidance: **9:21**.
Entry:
**9:37**
